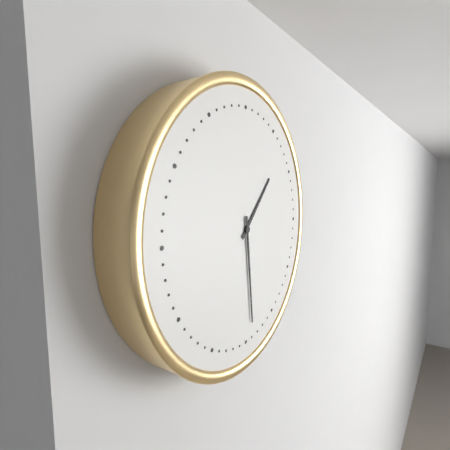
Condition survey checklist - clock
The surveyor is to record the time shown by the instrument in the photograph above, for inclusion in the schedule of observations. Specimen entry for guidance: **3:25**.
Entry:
**1:29**
